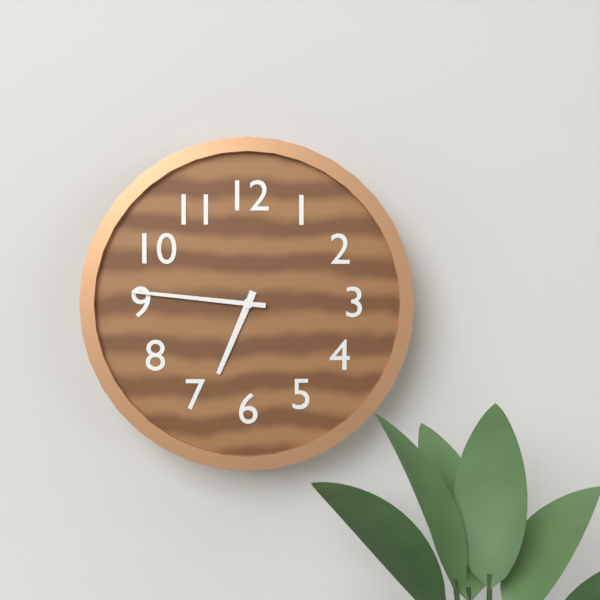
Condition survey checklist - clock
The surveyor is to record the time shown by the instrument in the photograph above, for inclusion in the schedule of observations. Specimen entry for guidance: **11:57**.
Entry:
**6:46**
